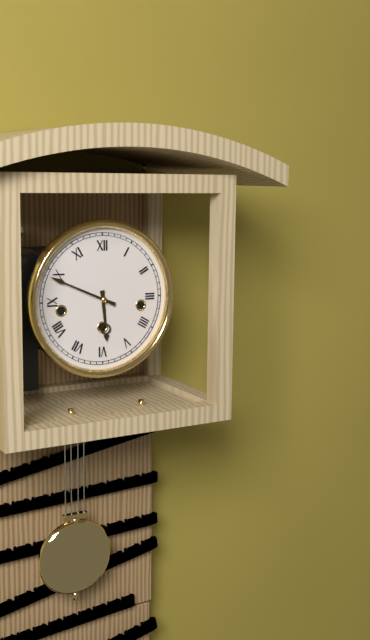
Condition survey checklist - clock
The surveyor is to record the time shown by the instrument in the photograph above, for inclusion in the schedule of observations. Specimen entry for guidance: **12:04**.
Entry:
**5:49**
